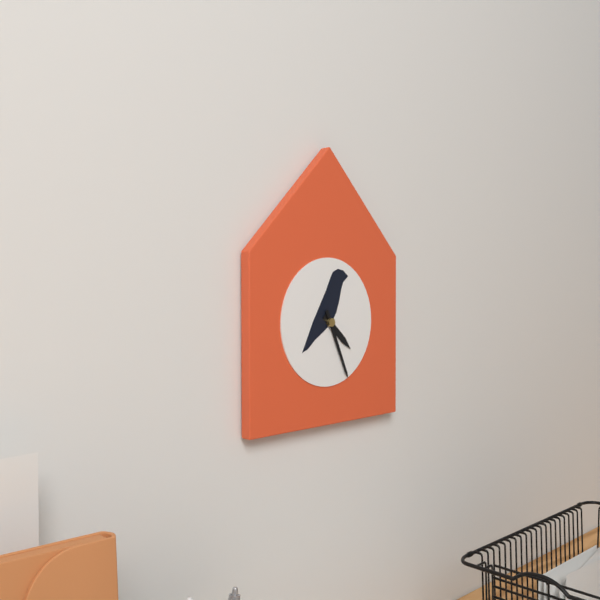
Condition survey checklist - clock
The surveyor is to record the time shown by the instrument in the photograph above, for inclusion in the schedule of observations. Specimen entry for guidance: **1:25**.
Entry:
**4:26**
